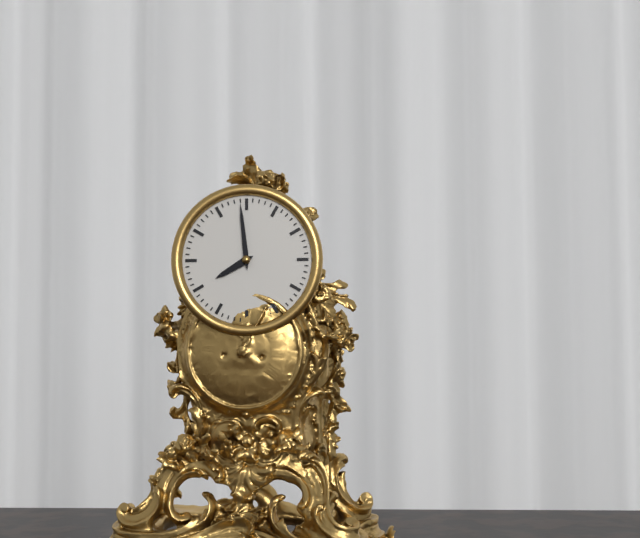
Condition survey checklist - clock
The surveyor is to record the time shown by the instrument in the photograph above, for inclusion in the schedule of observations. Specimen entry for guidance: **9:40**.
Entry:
**7:59**
